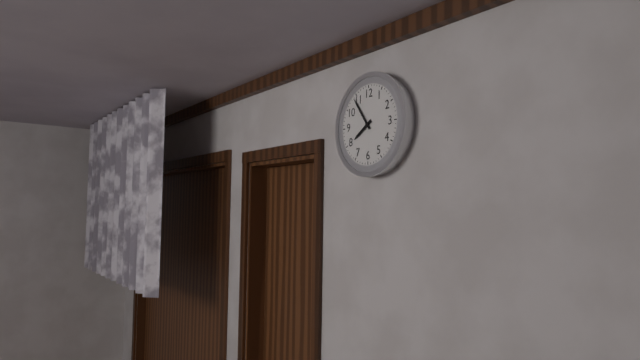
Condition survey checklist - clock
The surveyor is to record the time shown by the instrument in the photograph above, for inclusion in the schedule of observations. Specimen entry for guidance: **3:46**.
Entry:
**7:54**
